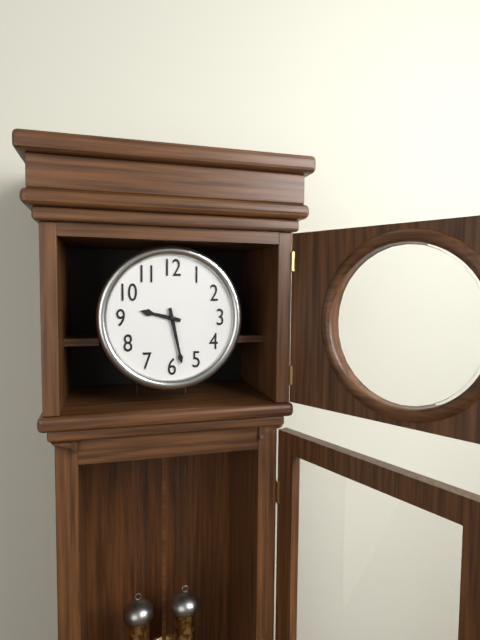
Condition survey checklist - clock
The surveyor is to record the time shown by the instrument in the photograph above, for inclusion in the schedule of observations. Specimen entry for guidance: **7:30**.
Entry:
**9:28**
